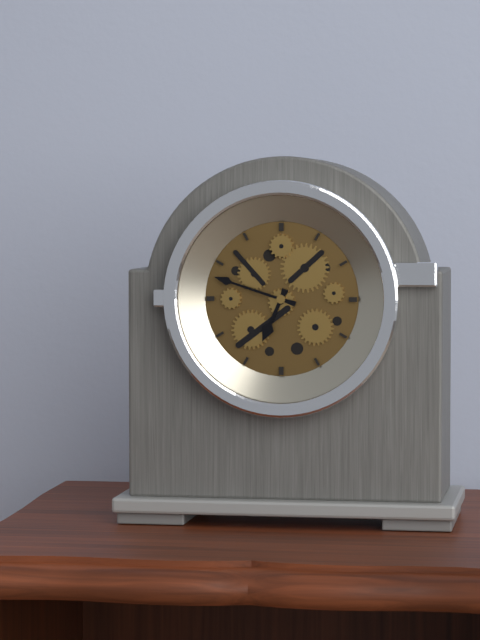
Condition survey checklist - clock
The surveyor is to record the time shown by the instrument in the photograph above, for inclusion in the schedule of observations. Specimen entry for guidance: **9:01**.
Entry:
**6:48**
